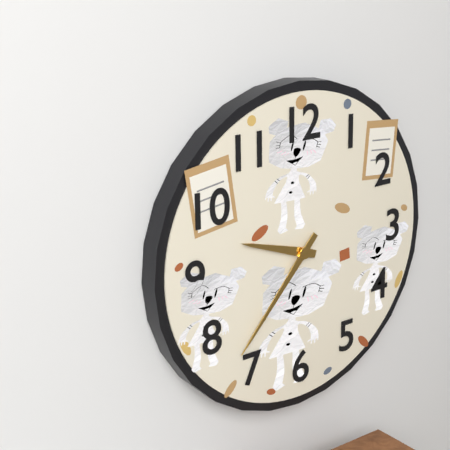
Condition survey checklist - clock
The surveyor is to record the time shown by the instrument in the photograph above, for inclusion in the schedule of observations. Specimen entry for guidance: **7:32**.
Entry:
**9:37**
